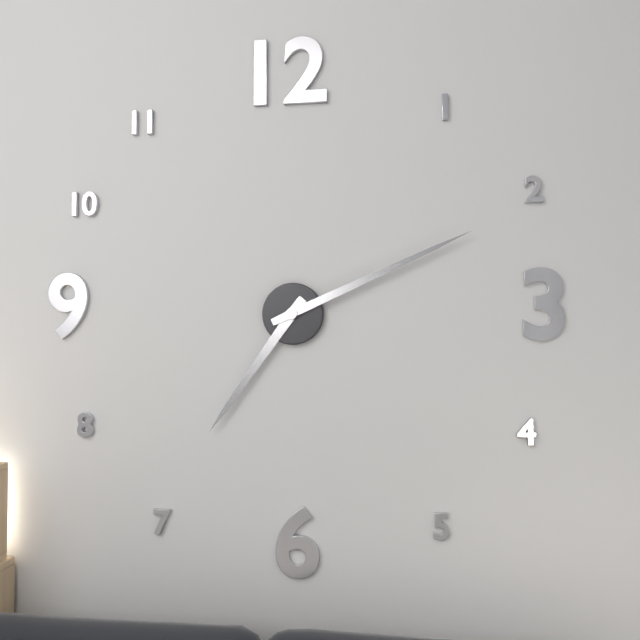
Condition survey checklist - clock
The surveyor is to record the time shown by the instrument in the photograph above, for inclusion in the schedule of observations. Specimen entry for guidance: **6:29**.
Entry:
**7:11**
